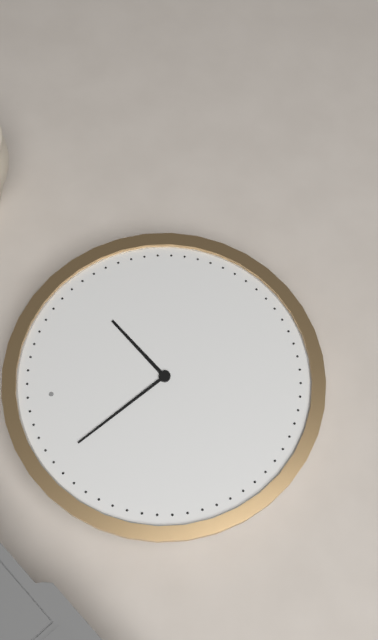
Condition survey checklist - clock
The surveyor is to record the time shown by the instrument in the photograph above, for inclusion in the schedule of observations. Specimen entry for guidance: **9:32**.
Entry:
**1:55**
